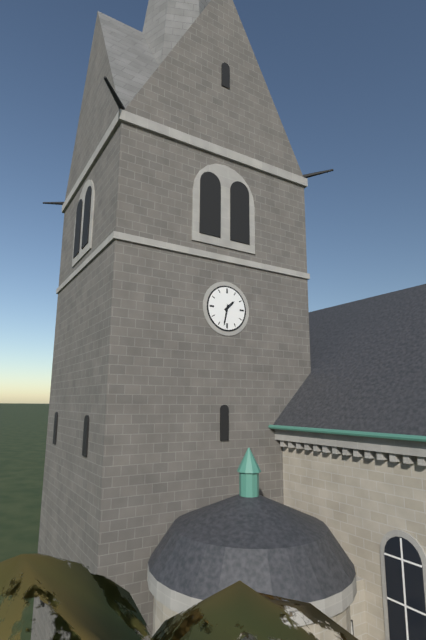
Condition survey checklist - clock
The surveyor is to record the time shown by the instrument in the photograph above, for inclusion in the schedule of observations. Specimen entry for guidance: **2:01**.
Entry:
**1:32**
